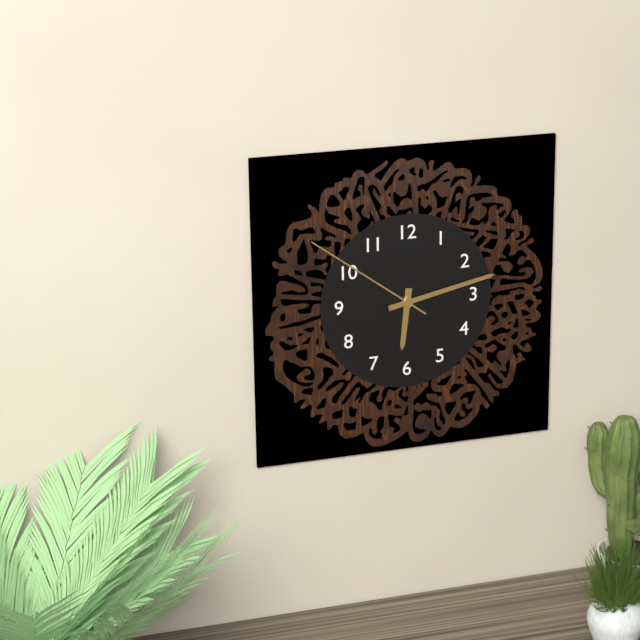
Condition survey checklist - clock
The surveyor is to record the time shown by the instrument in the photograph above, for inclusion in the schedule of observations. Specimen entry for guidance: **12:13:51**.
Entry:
**6:13:51**
